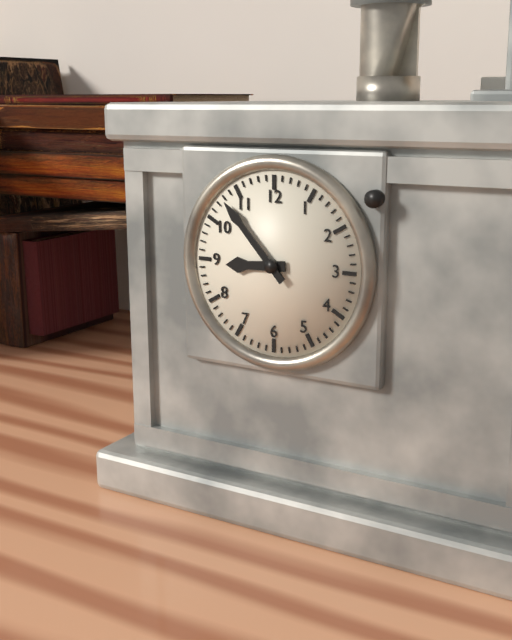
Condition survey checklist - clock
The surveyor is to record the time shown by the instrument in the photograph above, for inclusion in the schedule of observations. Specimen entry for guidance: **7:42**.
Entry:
**8:53**
